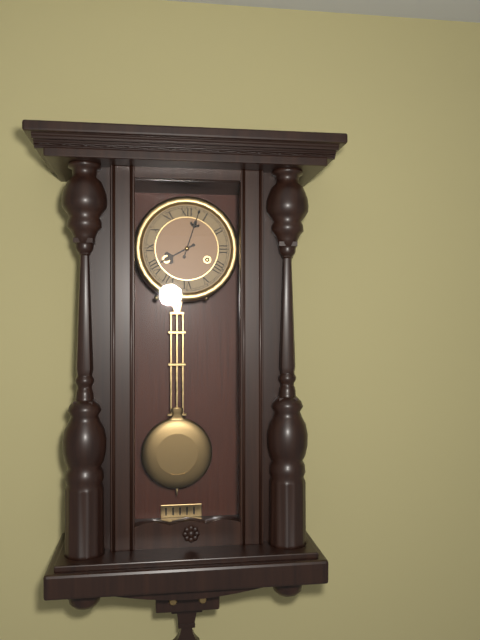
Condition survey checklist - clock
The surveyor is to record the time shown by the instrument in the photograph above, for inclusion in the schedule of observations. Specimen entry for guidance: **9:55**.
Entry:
**8:03**
